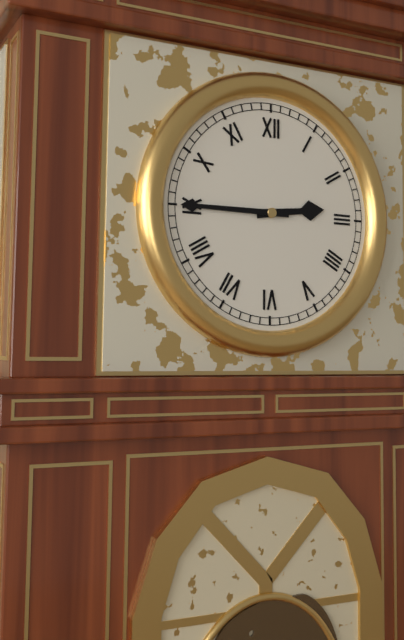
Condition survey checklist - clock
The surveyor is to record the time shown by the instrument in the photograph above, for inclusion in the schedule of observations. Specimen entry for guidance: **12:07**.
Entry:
**2:45**
